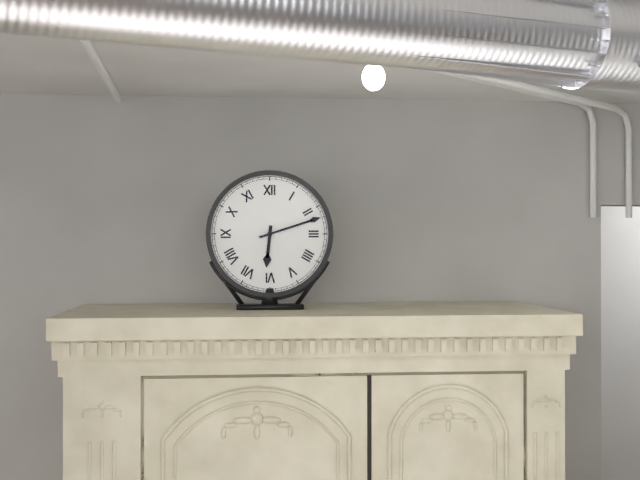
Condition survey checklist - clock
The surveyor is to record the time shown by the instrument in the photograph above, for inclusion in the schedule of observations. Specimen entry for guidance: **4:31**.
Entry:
**6:12**
